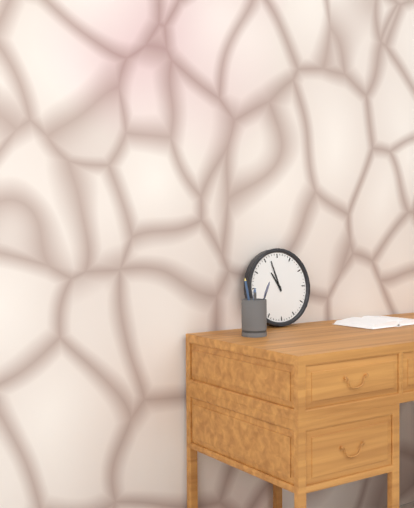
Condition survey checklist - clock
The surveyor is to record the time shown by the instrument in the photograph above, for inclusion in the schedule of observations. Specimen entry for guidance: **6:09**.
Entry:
**10:57**
